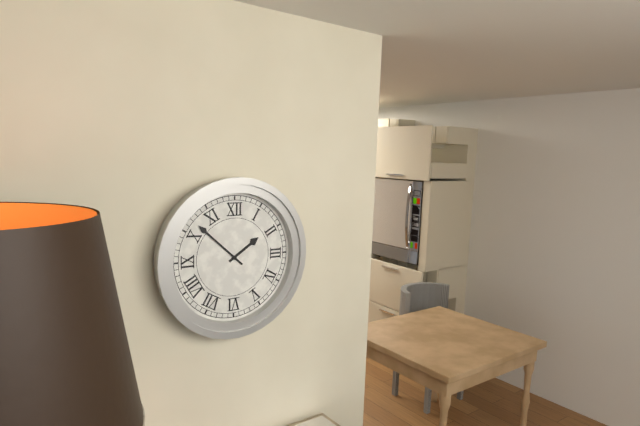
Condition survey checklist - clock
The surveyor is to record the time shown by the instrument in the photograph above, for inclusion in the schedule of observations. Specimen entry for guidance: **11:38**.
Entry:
**1:52**
